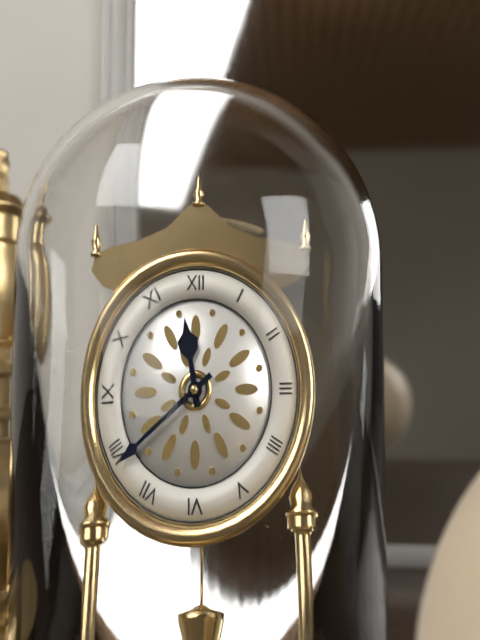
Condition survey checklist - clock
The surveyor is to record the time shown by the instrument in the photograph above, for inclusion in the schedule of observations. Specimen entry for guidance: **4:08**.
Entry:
**11:39**
